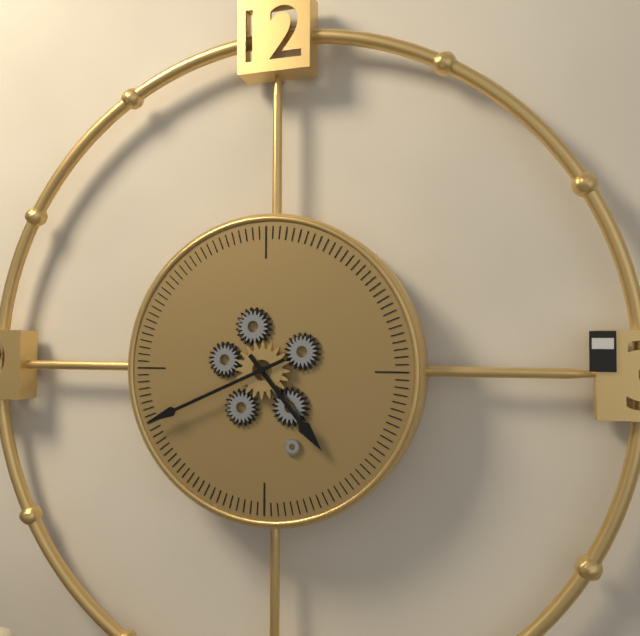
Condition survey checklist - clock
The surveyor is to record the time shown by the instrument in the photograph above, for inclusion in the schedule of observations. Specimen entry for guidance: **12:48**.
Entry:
**4:41**
